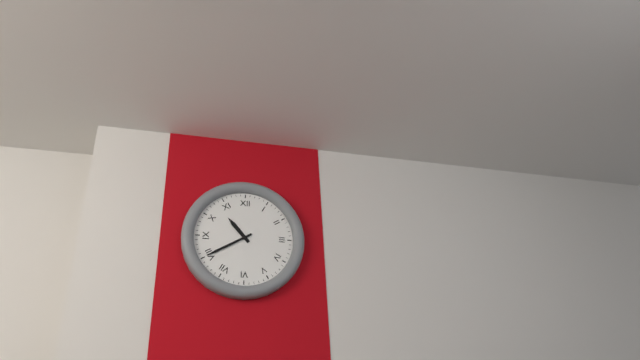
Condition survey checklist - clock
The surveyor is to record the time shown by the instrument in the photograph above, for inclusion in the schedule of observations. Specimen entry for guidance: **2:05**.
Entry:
**10:40**
